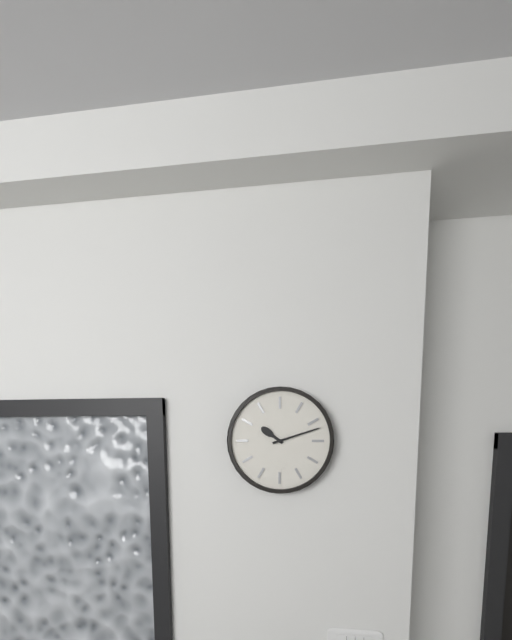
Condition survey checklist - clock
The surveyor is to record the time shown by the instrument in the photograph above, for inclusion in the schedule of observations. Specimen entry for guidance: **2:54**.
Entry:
**10:12**
